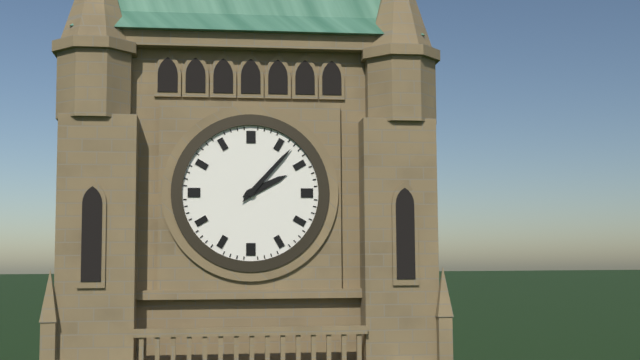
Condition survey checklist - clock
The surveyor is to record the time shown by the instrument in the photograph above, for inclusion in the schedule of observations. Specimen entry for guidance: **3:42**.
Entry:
**2:07**
